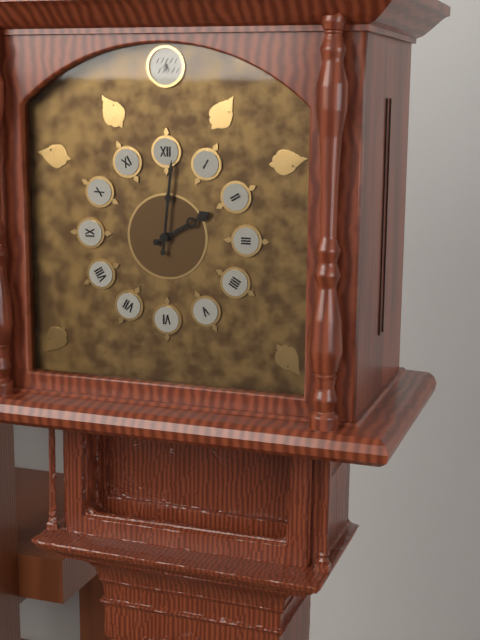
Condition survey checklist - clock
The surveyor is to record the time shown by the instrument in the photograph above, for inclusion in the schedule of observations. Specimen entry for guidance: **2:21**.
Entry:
**2:01**
